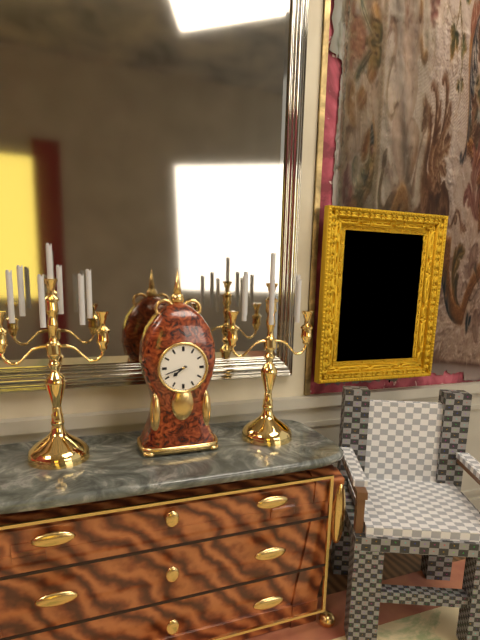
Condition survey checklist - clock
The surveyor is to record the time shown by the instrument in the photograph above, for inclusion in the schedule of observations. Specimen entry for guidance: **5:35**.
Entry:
**7:42**
